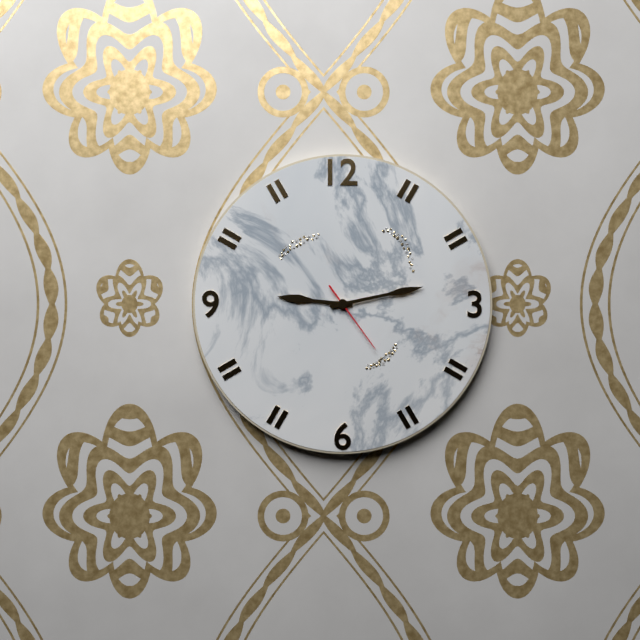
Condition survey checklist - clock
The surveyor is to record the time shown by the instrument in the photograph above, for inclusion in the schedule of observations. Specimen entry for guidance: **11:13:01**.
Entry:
**9:13:24**
